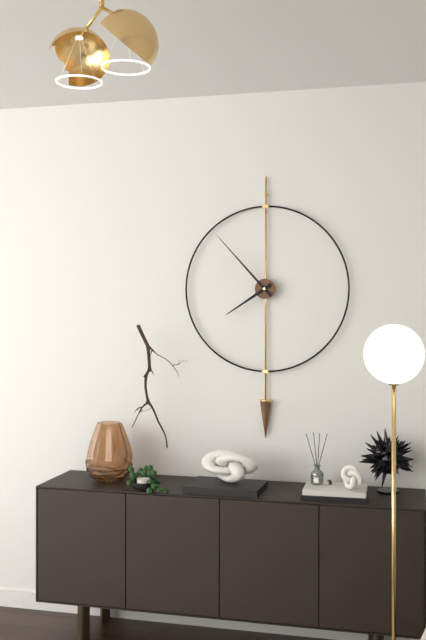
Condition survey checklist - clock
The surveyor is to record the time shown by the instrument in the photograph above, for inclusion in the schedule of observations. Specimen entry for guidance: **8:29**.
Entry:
**7:53**
